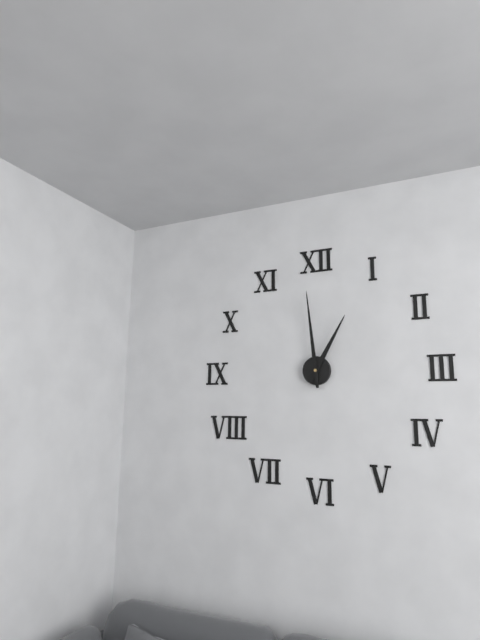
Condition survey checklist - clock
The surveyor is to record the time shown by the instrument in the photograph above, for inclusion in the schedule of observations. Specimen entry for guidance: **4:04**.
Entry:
**12:59**
